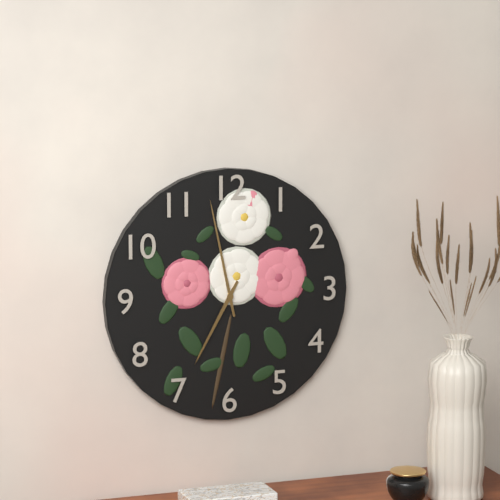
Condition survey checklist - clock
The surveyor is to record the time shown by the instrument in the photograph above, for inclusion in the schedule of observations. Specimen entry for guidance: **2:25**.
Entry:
**6:58**
